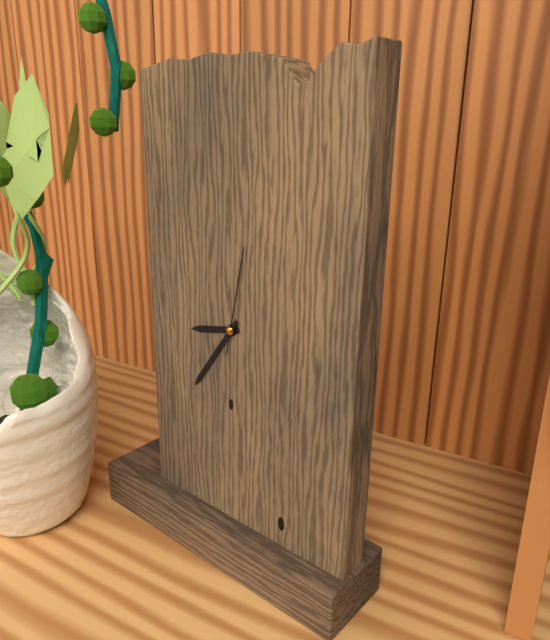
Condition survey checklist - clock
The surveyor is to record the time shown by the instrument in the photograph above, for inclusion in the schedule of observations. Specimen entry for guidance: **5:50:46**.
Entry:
**8:36:02**
